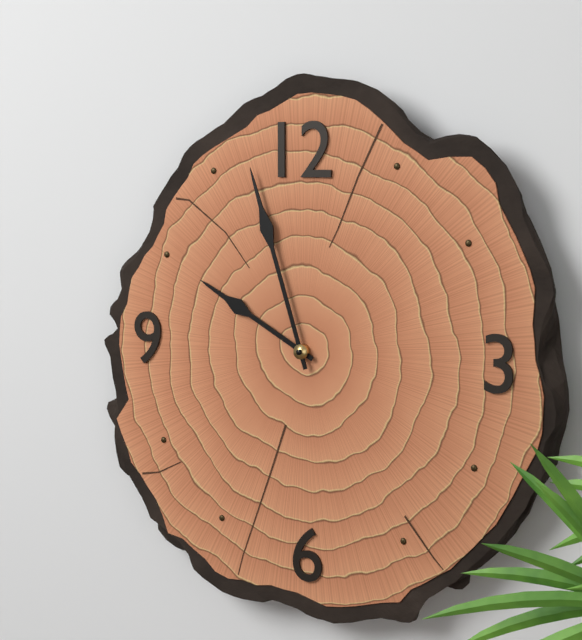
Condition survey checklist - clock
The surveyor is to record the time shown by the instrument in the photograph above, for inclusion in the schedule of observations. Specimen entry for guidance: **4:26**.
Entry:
**9:57**
